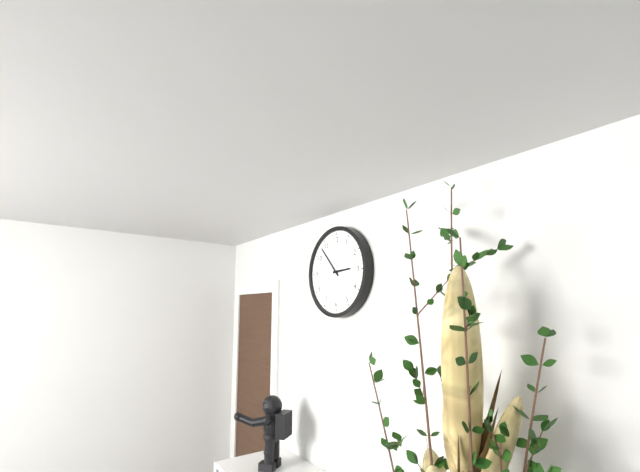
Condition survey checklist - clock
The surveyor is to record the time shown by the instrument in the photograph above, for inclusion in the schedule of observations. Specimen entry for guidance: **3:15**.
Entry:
**2:53**
